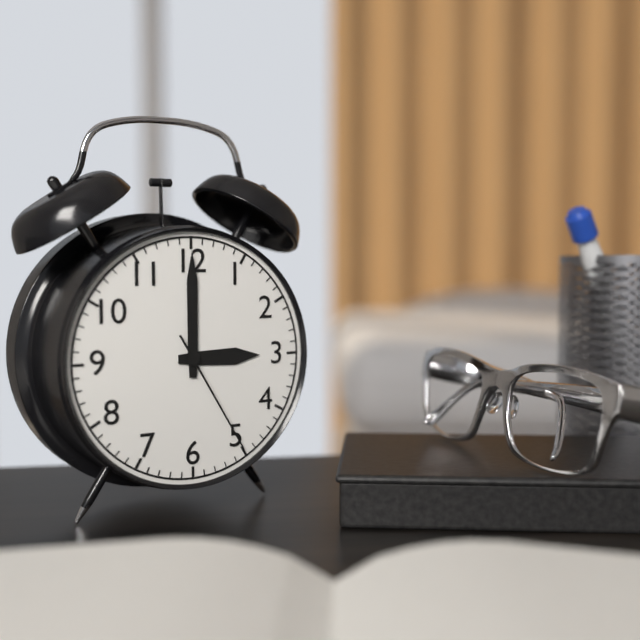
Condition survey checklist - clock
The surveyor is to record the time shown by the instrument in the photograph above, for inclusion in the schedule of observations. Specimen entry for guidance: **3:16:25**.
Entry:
**3:00:25**
